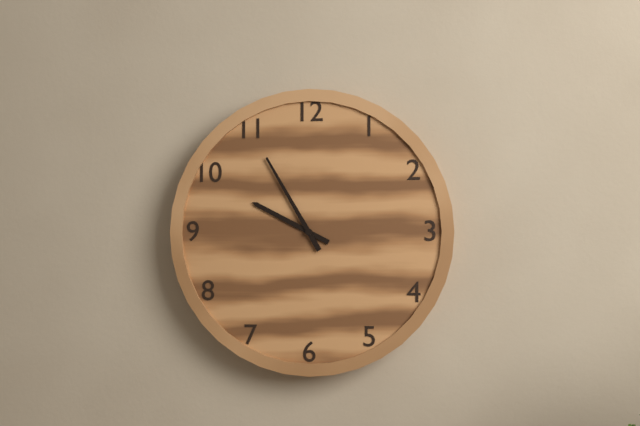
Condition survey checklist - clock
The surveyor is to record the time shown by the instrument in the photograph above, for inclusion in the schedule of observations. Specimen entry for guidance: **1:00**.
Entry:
**9:55**
